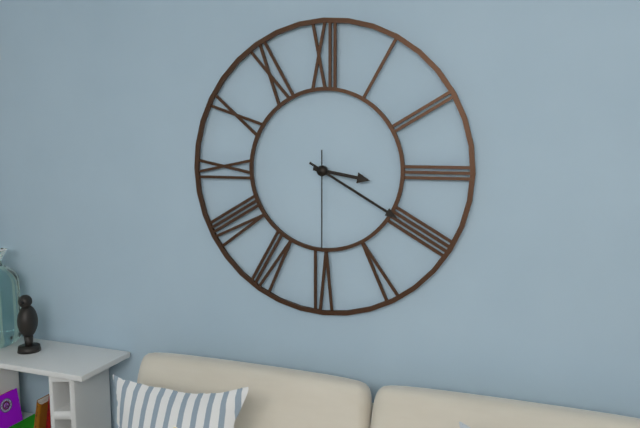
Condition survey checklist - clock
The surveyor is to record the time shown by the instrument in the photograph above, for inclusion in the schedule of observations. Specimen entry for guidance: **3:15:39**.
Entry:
**3:20:30**
